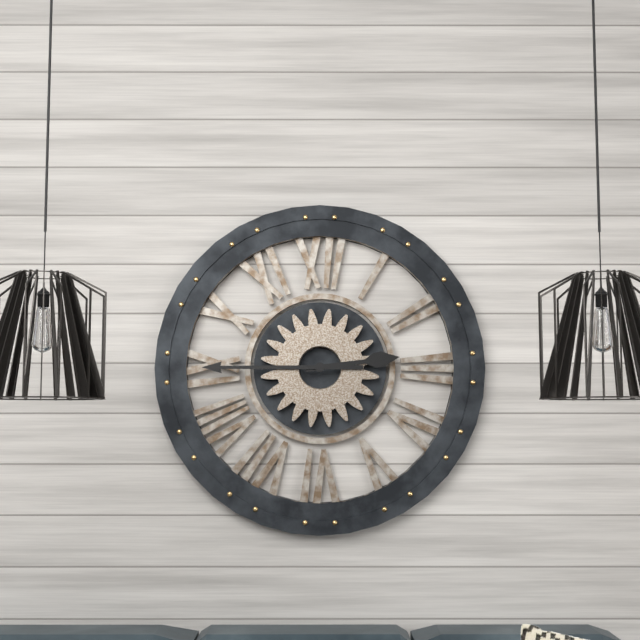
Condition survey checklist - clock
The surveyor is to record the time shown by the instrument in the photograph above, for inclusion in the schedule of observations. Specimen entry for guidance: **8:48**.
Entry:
**2:45**
